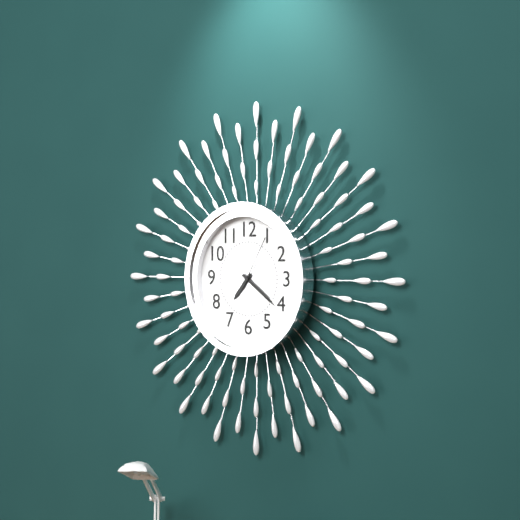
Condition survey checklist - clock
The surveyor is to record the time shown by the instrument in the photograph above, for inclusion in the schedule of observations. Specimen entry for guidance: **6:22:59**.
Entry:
**7:21:05**
